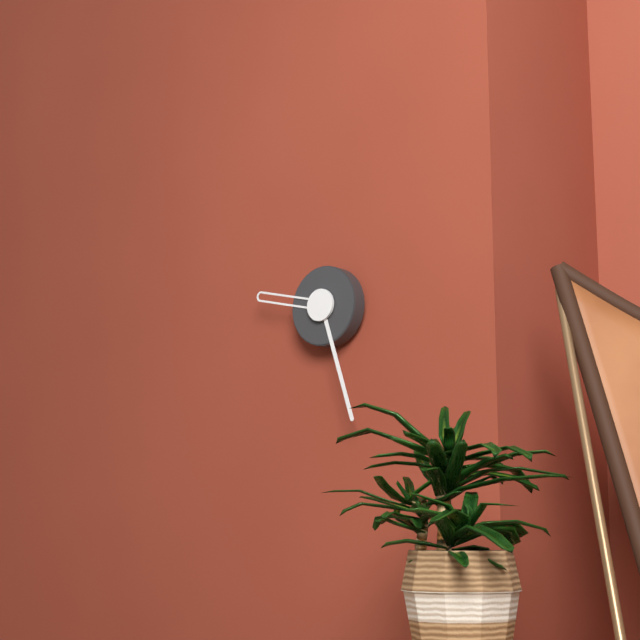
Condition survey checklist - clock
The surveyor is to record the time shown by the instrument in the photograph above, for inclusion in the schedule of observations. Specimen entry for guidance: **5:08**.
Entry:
**9:27**
